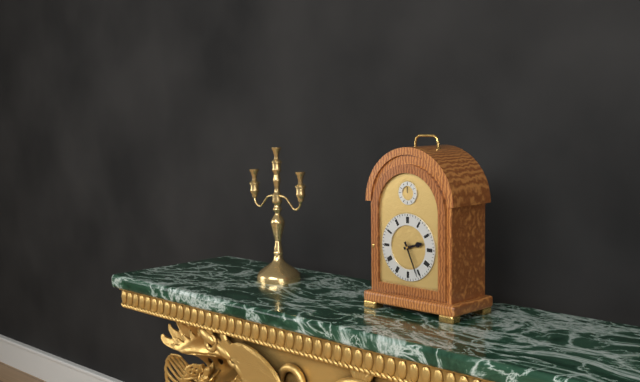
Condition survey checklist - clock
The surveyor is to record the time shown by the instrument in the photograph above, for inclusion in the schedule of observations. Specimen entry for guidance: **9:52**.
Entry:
**2:26**
